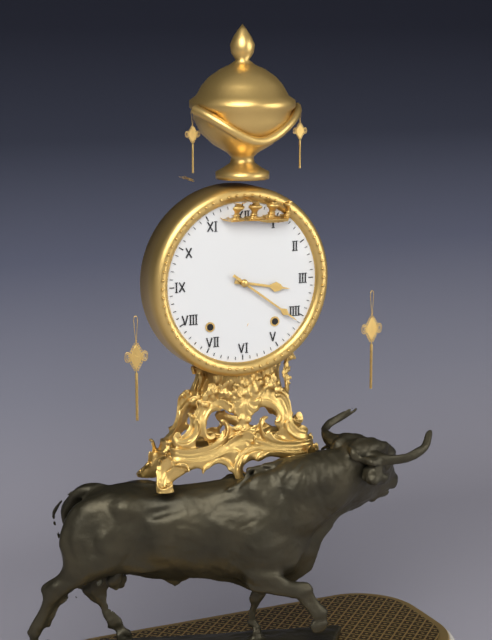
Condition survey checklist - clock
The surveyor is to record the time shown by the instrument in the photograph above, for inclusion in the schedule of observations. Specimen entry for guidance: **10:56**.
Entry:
**3:21**
